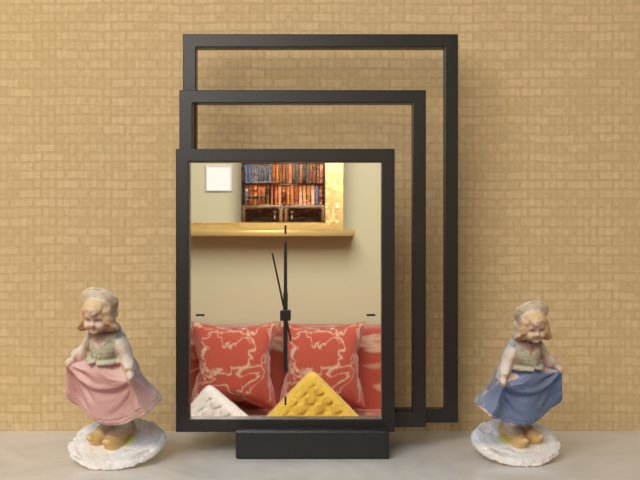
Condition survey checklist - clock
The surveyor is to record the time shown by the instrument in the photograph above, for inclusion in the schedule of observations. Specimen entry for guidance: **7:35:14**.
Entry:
**6:00:58**
